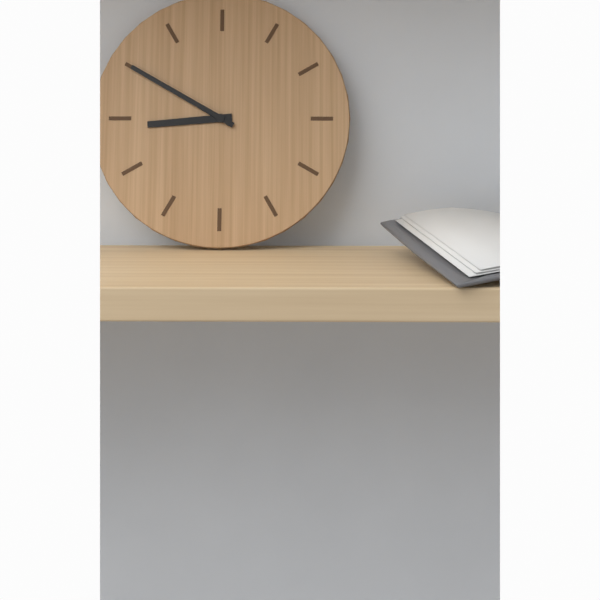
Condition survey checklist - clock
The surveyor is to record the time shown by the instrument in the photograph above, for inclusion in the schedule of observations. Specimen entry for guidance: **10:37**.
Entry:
**8:50**
